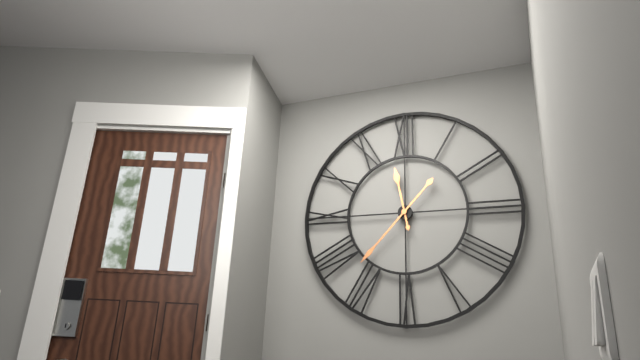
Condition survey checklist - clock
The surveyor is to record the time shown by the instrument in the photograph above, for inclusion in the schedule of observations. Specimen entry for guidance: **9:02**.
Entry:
**11:37**
